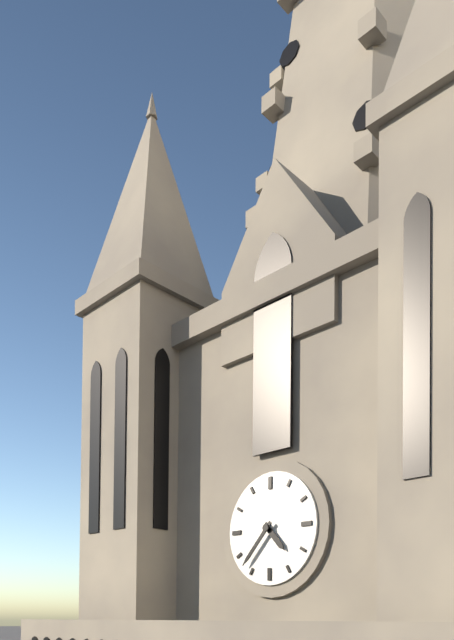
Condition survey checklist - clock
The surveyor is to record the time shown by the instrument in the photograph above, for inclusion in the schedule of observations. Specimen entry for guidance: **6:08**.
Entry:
**4:37**
